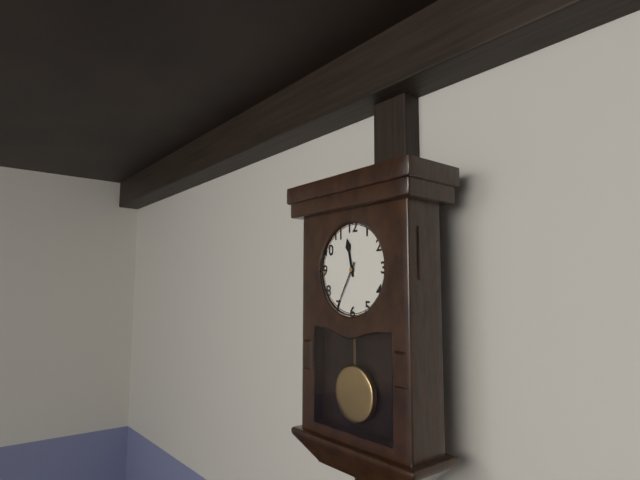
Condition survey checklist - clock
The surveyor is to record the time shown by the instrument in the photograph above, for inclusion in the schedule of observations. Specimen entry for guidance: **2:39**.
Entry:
**11:35**
